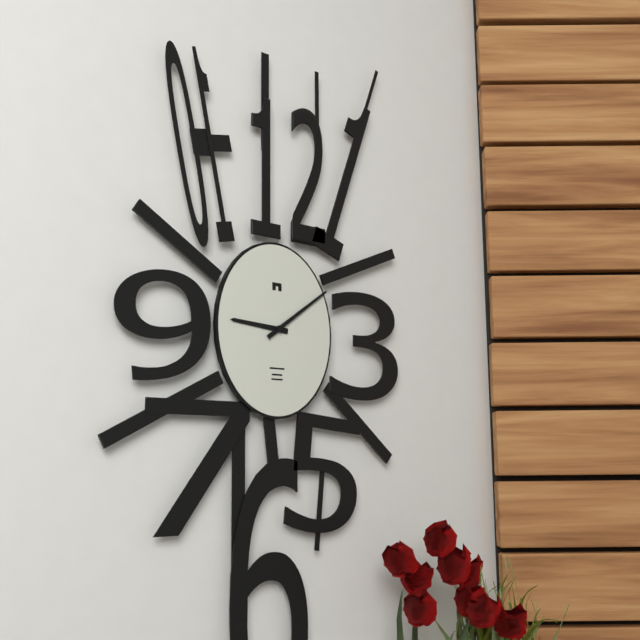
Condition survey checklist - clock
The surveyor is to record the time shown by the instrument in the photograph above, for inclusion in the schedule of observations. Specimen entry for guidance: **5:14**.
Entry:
**9:09**
